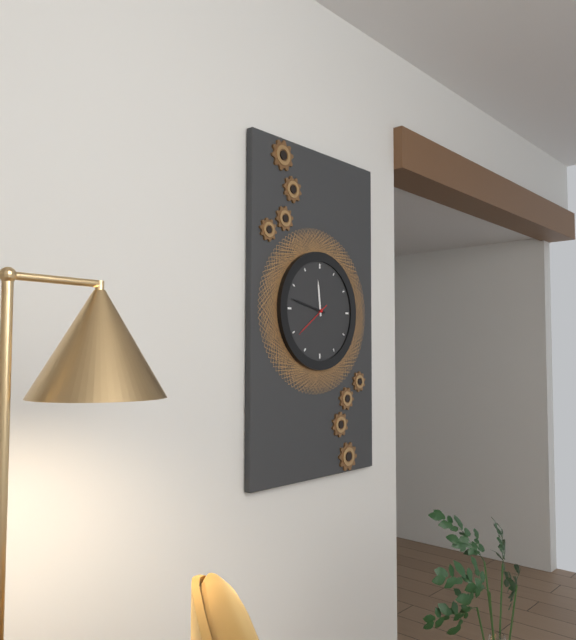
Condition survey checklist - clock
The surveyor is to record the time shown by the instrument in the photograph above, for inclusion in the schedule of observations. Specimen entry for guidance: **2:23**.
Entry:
**11:47**
